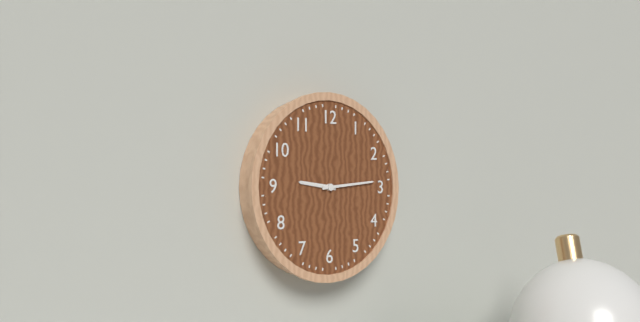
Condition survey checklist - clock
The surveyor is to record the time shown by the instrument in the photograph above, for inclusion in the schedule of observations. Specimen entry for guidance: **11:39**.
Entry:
**9:14**
